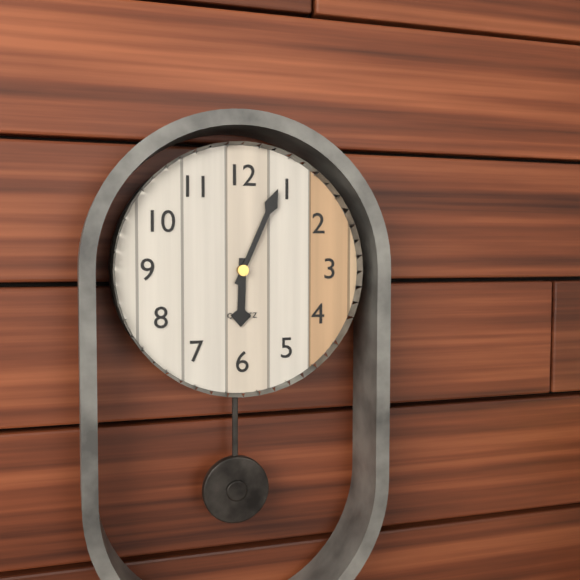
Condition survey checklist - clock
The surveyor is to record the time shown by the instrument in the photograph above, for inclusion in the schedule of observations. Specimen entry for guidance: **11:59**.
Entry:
**6:04**
